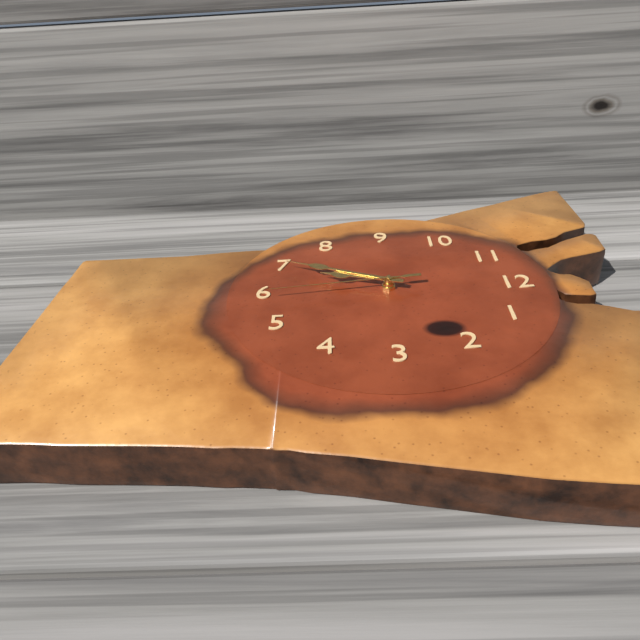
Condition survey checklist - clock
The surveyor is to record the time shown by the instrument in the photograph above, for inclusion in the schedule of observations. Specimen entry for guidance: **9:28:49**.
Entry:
**6:34:29**
